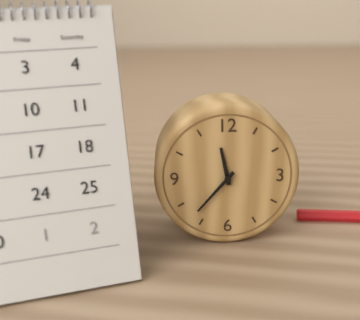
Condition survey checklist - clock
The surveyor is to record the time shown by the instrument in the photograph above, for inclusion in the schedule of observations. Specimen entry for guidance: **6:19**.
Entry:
**11:37**
